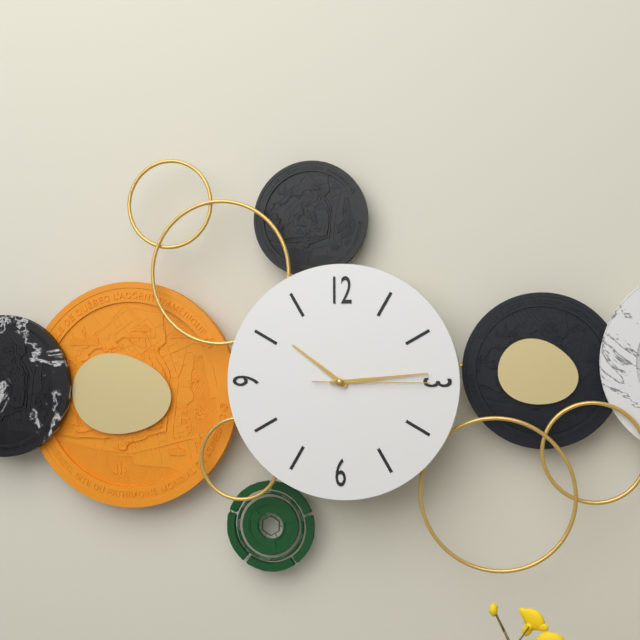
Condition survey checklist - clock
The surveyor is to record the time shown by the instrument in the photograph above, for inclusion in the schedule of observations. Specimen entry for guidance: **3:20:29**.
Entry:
**10:14:15**
